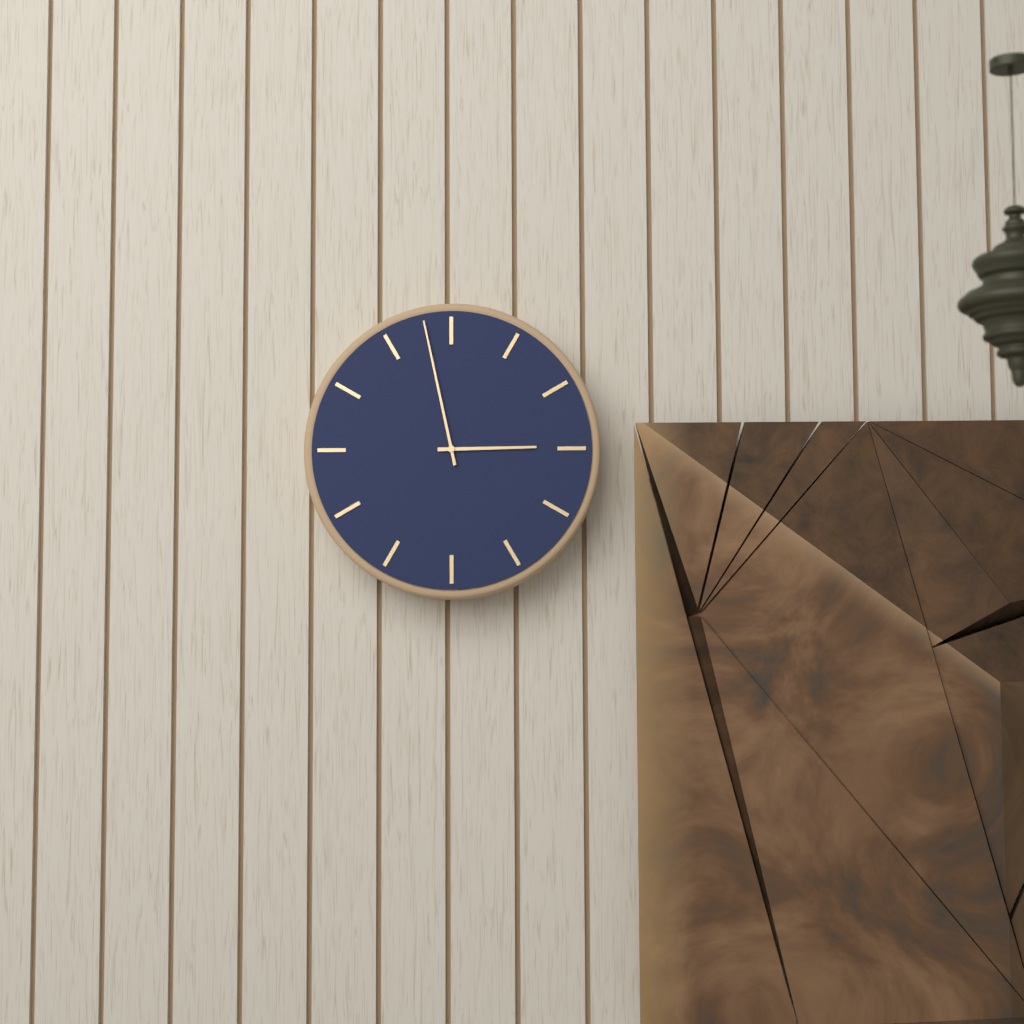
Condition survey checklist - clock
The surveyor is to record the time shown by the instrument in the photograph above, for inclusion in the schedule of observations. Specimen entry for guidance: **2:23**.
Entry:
**2:58**
